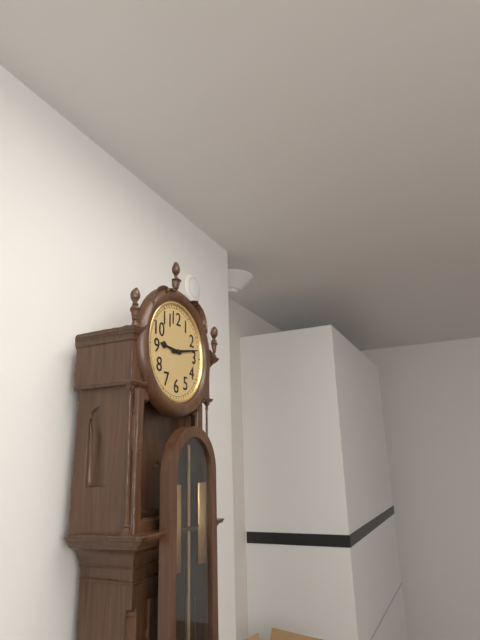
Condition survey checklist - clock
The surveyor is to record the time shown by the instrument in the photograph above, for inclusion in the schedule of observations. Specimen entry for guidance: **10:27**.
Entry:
**9:13**
